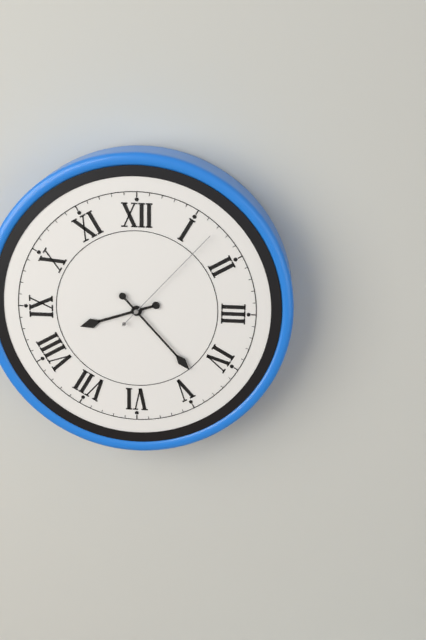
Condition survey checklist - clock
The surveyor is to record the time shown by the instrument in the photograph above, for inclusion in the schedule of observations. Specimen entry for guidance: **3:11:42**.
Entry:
**8:23:07**
